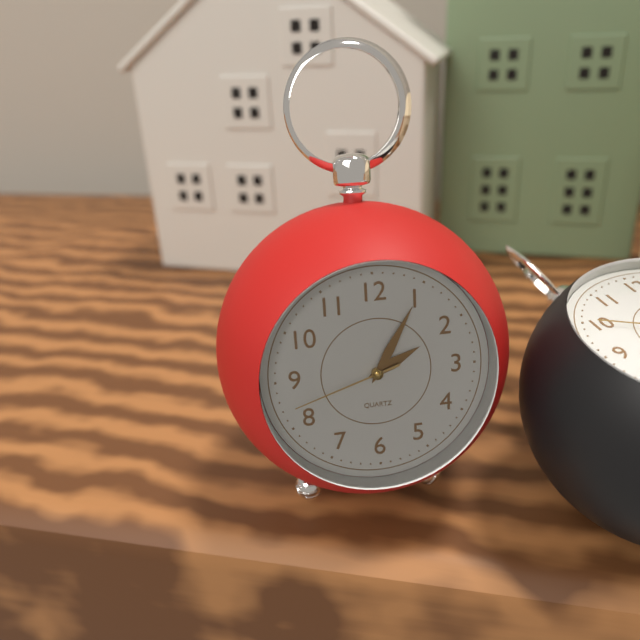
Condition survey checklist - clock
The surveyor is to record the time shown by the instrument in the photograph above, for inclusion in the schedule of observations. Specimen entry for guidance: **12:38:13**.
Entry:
**2:05:42**
